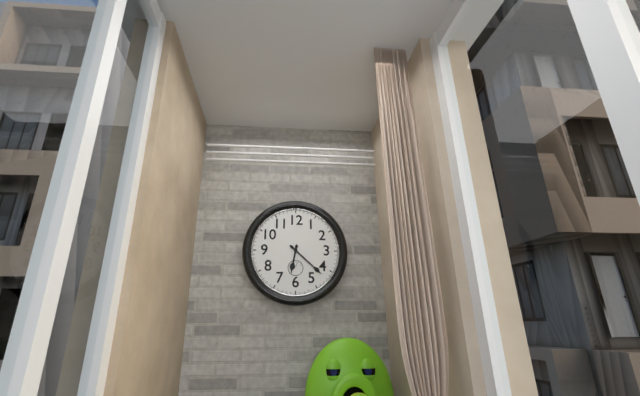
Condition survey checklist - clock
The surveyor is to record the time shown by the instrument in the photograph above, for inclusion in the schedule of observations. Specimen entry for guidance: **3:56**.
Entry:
**6:22**
